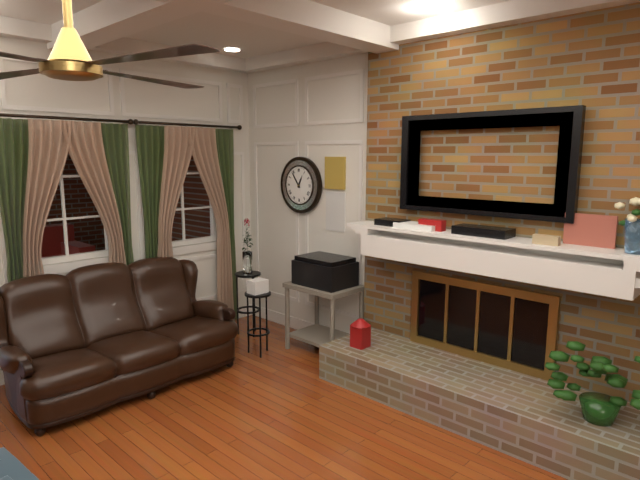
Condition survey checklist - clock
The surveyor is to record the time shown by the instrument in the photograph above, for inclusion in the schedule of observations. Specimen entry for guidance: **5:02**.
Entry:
**12:54**
